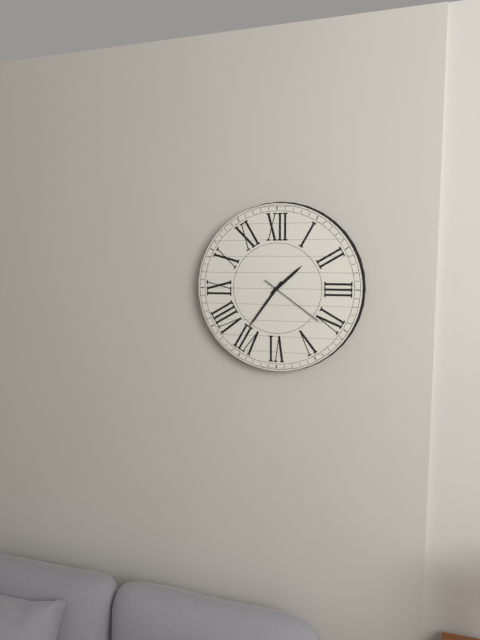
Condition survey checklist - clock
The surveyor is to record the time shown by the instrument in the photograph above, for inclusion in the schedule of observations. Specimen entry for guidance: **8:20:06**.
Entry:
**1:36:21**
